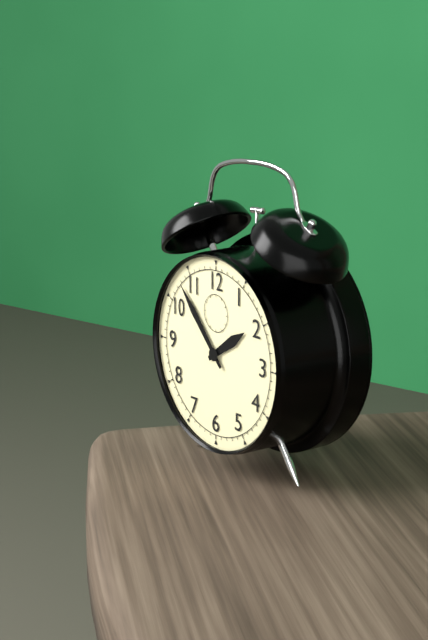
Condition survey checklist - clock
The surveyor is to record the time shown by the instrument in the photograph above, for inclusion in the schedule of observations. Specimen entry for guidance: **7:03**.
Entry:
**1:53**
